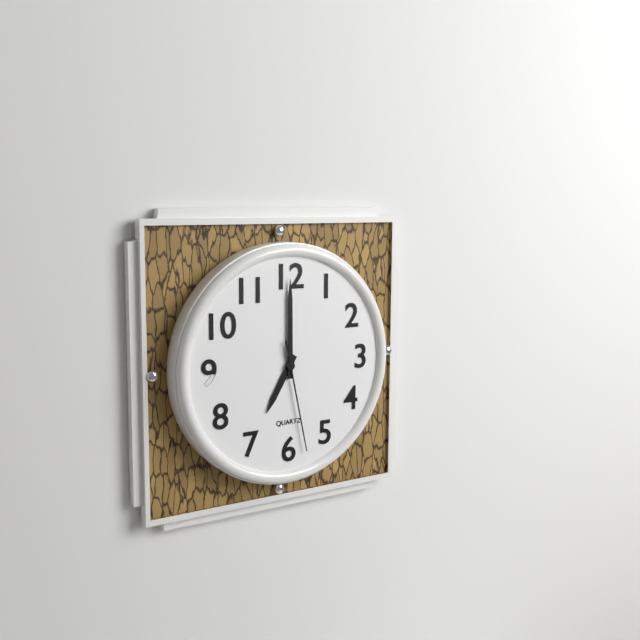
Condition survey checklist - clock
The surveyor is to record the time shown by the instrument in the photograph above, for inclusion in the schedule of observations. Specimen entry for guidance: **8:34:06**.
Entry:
**7:00:28**
